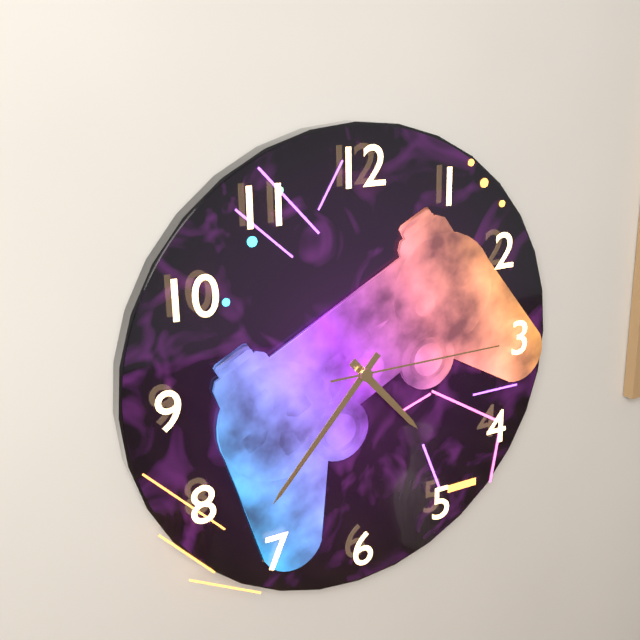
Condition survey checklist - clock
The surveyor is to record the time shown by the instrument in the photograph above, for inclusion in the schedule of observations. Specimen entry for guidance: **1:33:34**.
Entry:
**4:37:15**
